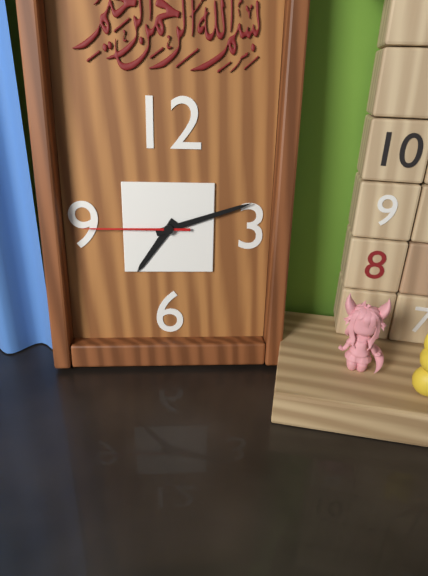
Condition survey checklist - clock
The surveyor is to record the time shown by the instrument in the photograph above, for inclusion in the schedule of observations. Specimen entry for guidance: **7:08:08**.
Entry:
**7:12:45**
